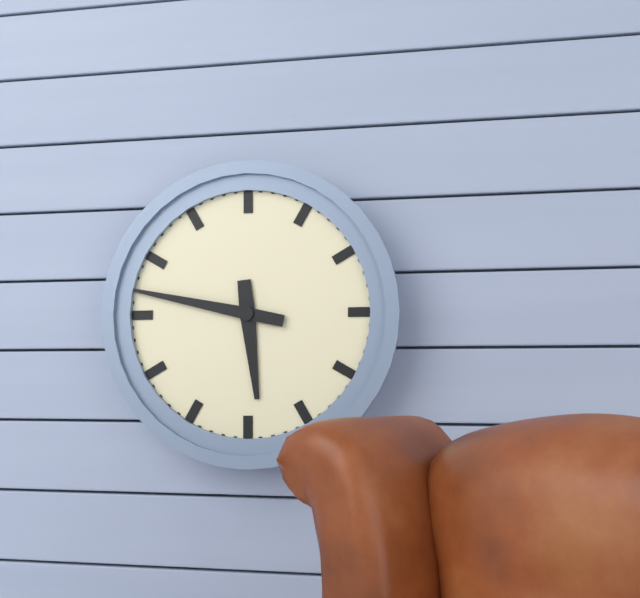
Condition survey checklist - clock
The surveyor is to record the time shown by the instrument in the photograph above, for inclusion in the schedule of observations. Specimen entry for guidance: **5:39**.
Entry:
**5:47**
